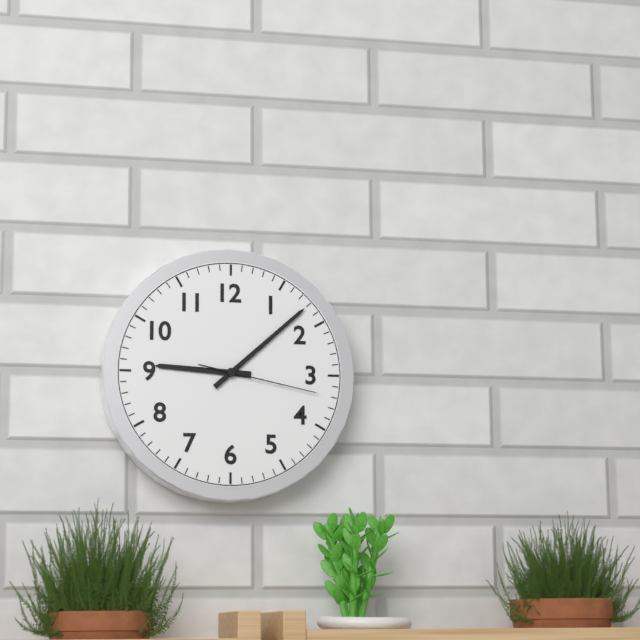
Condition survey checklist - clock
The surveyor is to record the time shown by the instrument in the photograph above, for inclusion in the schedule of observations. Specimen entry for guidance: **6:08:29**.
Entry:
**9:08:17**
